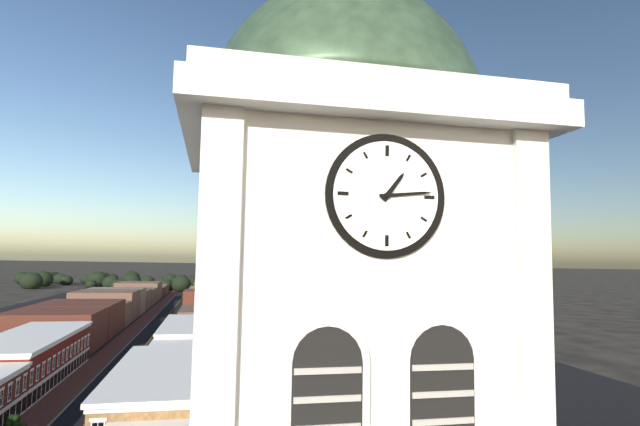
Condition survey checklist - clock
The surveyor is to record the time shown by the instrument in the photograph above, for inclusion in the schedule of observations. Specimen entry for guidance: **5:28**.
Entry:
**1:14**
